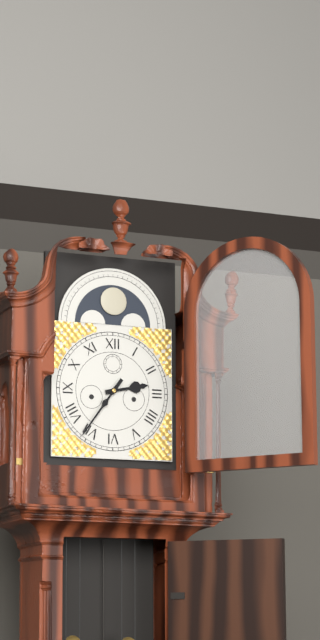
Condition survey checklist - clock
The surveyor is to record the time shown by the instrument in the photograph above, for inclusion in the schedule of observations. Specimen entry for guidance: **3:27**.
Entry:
**2:36**
